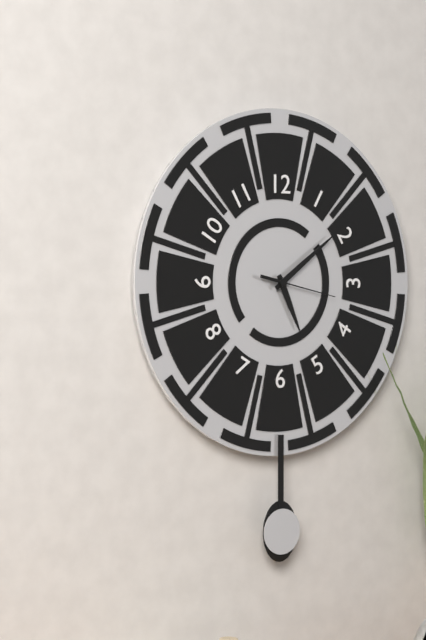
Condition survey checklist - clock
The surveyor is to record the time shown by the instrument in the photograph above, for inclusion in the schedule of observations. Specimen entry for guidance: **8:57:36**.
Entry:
**5:09:17**
